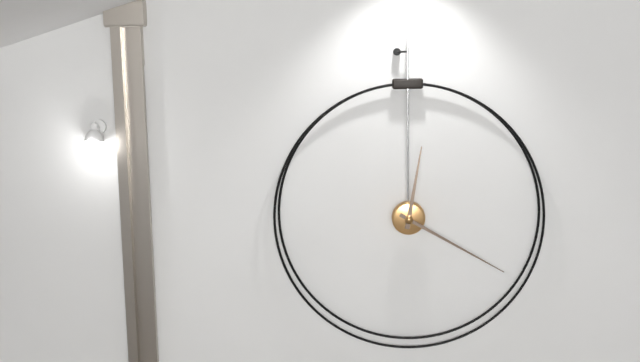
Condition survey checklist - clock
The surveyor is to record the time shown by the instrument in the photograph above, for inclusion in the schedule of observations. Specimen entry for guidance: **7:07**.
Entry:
**12:20**
